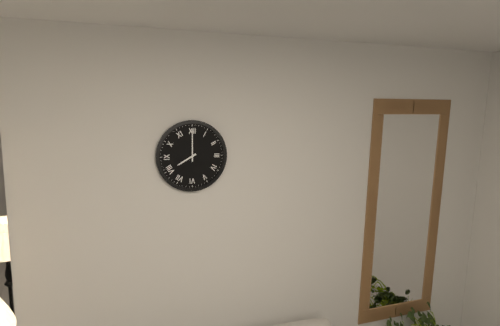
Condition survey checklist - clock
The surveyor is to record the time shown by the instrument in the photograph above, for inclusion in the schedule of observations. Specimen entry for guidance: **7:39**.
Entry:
**8:00**
